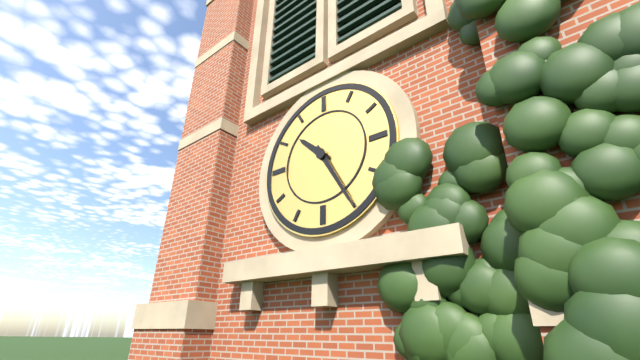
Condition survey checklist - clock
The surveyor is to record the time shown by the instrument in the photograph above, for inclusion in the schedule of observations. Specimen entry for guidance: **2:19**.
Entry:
**10:25**
